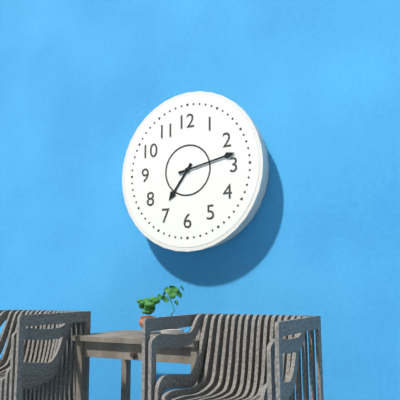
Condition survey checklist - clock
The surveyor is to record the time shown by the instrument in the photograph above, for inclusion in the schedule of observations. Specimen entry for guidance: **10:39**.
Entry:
**7:13**
